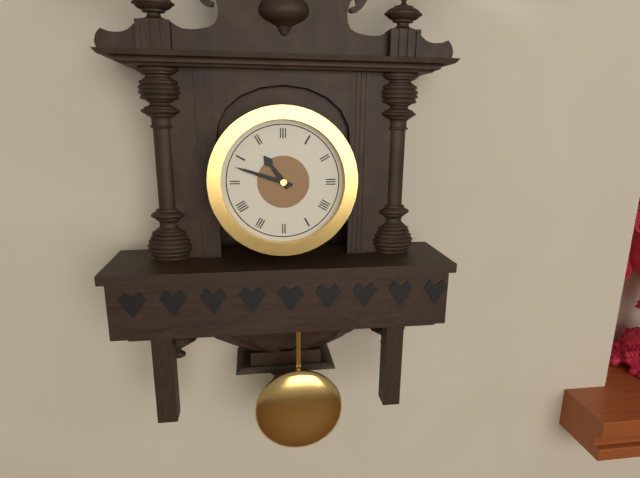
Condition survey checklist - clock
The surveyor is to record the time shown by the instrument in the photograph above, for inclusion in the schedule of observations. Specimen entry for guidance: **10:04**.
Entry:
**10:48**
